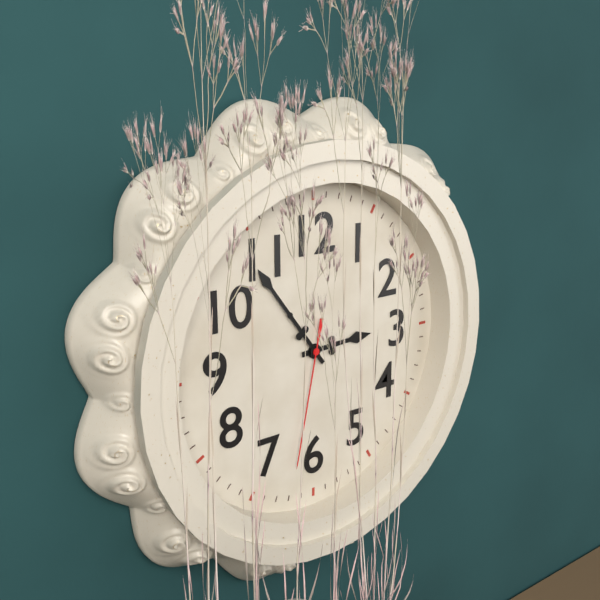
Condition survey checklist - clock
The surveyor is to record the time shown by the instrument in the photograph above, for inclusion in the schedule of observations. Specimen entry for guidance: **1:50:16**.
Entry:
**2:54:32**
